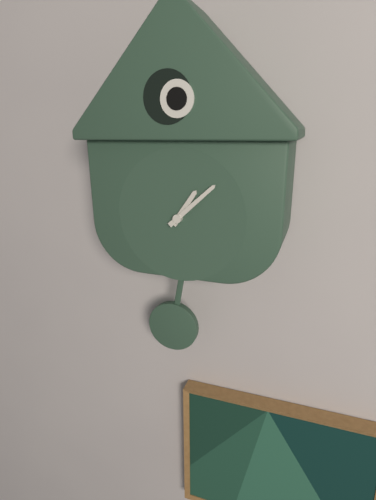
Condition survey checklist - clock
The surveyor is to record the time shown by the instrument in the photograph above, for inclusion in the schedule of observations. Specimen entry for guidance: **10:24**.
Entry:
**1:08**
